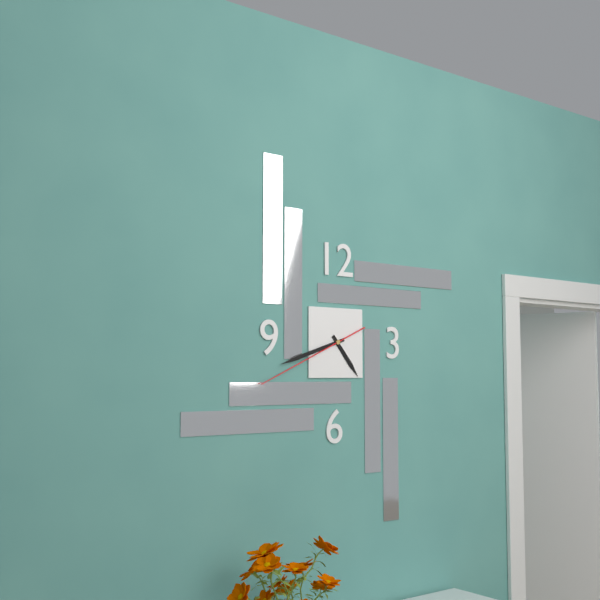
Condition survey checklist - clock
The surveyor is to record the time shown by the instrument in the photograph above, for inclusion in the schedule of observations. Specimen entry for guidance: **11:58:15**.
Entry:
**4:42:41**
